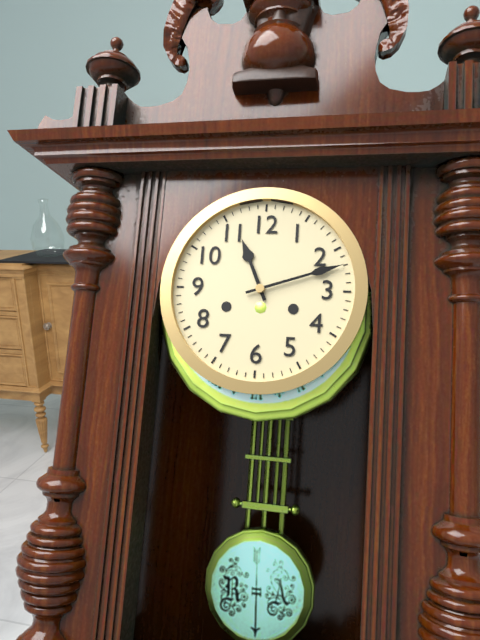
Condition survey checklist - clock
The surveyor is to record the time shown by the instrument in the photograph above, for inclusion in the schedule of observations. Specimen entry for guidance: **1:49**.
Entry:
**11:12**
